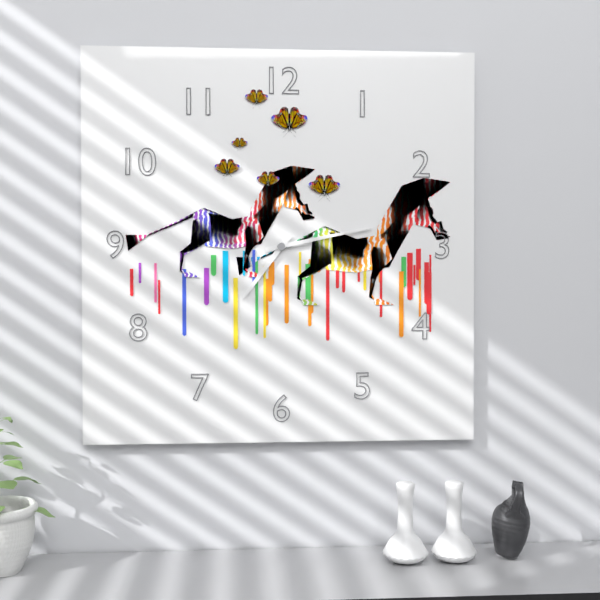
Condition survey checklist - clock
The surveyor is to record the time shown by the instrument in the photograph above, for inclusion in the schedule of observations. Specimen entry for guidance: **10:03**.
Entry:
**7:13**
